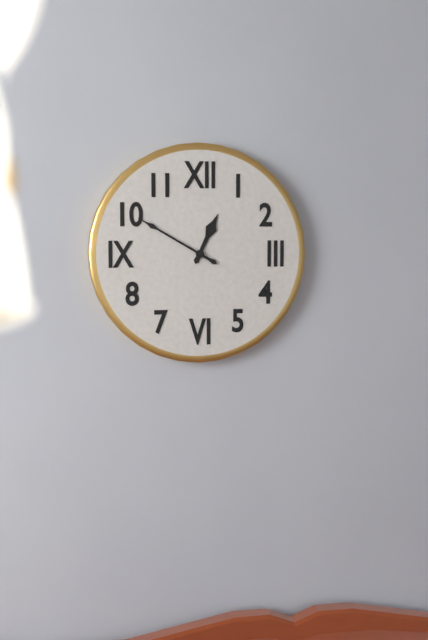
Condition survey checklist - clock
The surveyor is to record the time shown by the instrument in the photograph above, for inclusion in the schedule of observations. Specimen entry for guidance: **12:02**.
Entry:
**12:50**
